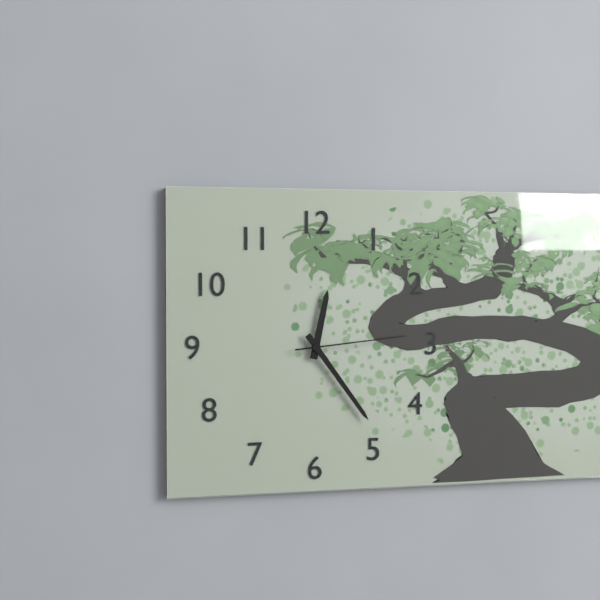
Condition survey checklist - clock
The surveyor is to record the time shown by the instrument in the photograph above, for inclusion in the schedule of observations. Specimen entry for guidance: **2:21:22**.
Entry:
**12:24:14**
